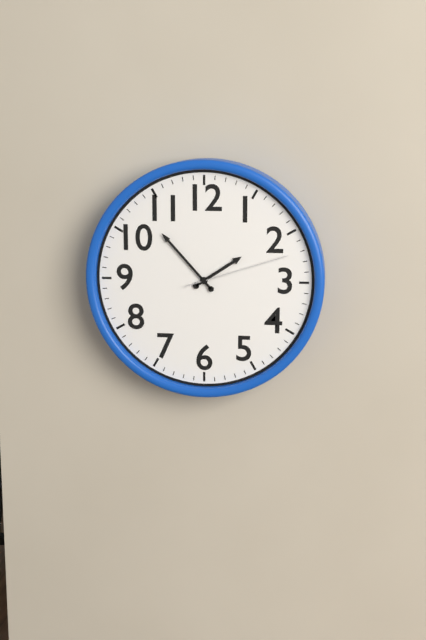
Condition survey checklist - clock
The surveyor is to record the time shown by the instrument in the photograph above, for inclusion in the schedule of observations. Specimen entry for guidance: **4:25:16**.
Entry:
**1:53:12**
